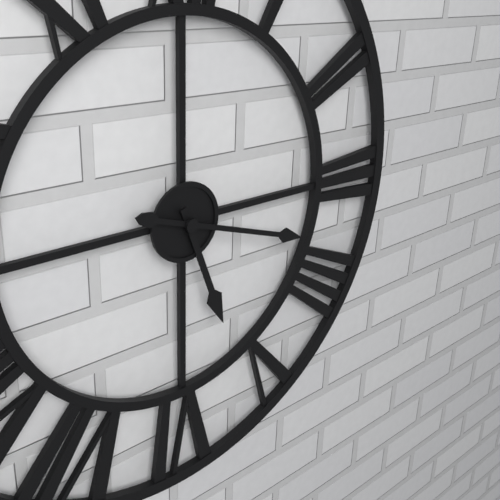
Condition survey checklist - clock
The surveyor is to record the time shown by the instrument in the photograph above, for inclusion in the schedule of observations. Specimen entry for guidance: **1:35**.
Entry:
**5:18**
